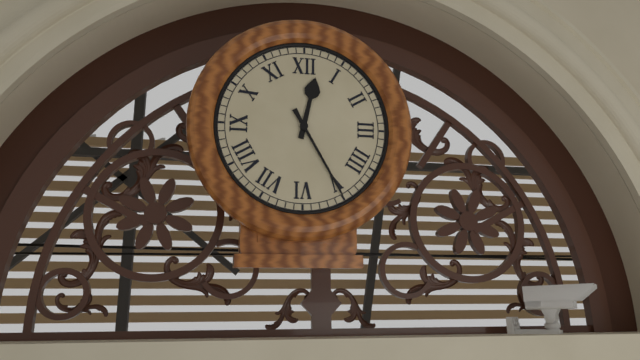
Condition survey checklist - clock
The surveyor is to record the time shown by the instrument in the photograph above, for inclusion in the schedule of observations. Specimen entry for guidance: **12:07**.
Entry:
**12:25**
